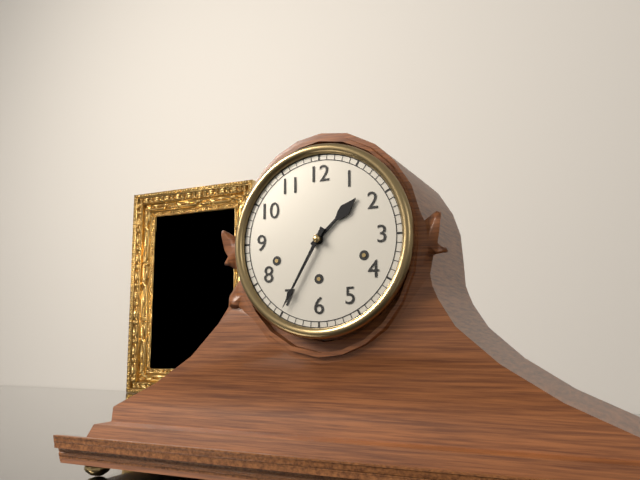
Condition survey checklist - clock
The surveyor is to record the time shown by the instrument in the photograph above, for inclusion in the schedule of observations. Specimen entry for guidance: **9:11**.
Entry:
**1:35**
